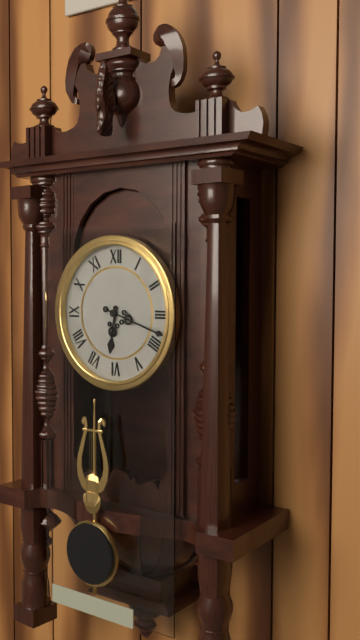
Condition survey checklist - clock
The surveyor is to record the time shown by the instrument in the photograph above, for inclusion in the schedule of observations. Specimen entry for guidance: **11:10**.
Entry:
**6:18**
